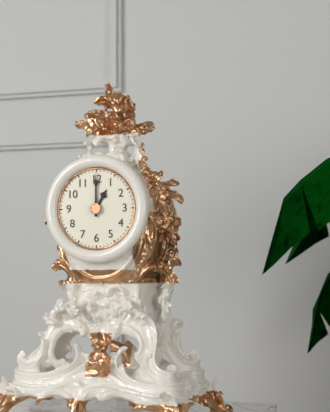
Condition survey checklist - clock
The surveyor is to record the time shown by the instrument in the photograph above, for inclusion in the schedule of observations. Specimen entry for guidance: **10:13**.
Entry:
**1:00**
